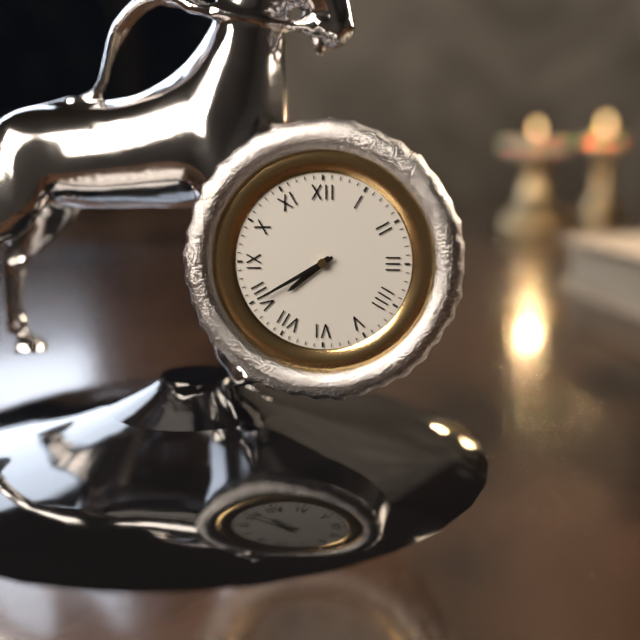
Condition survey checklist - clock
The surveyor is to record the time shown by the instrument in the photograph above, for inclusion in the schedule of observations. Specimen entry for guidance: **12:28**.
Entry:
**7:40**
